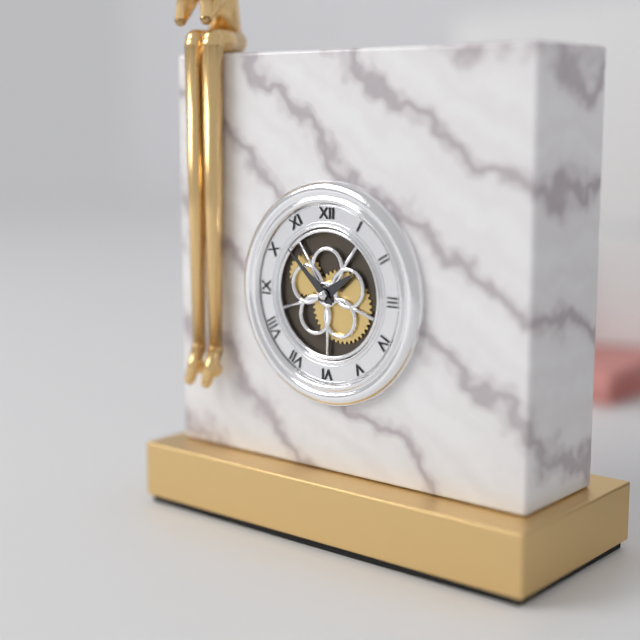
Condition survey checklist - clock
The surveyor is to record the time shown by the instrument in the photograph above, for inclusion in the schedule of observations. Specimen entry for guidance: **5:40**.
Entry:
**1:52**
